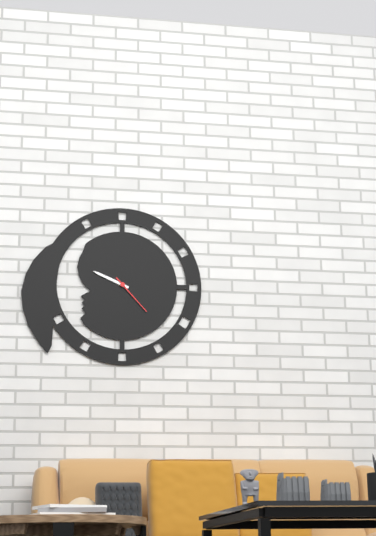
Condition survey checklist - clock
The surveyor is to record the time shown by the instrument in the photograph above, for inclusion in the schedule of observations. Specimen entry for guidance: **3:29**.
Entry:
**9:49**
